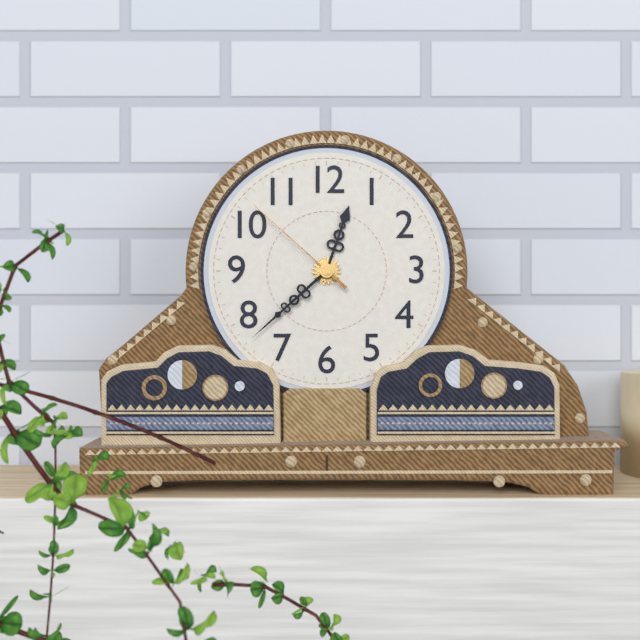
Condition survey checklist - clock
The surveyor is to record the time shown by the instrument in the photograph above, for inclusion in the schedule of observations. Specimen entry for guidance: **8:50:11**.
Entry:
**12:38:52**
